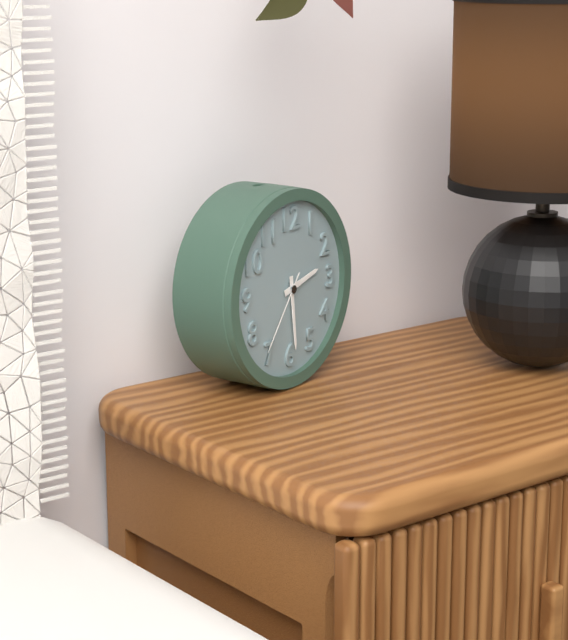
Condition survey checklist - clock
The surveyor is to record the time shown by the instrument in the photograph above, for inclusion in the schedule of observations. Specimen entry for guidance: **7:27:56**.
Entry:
**2:29:36**
